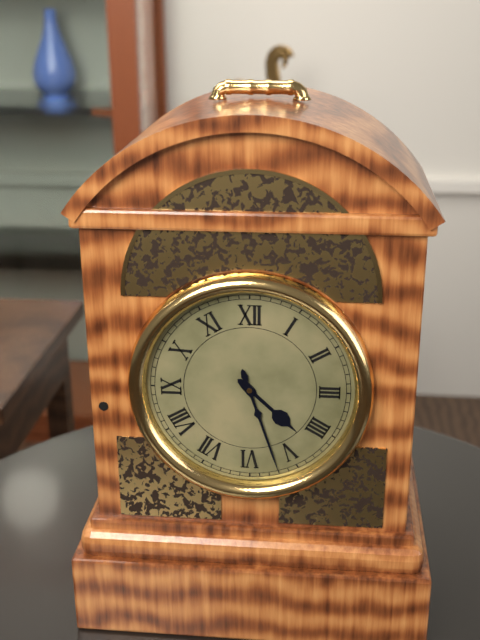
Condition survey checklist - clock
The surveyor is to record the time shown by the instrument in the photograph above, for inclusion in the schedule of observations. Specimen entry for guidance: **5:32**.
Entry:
**4:27**
